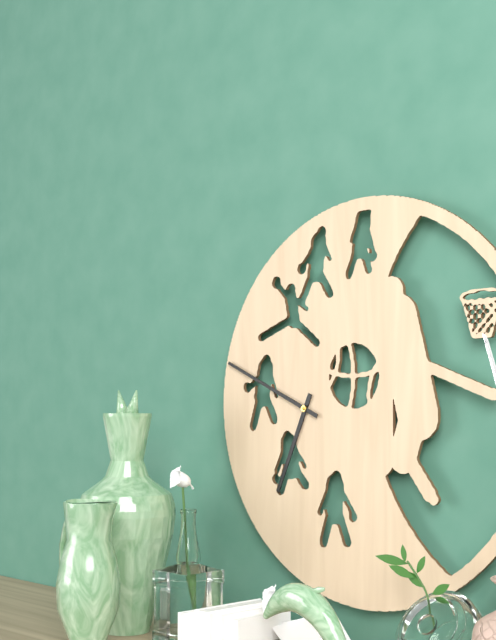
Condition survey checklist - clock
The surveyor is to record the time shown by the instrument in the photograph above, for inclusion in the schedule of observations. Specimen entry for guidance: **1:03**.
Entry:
**6:49**
